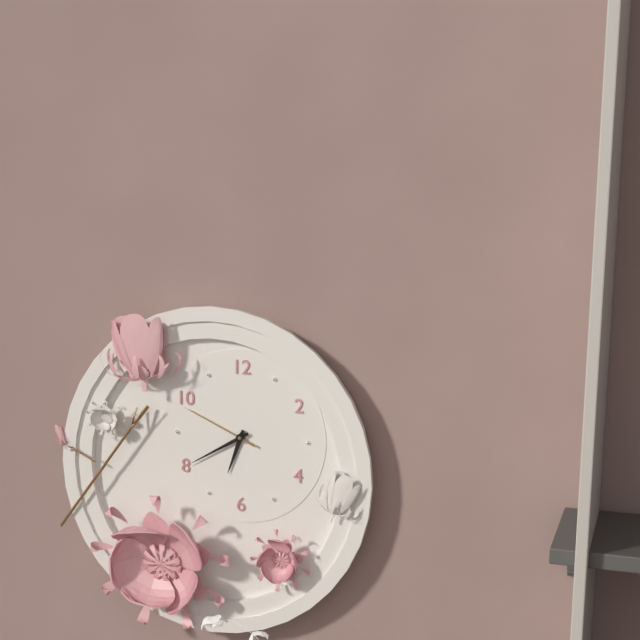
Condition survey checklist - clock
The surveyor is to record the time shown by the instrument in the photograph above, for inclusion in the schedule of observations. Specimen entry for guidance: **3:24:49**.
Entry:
**6:40:49**
